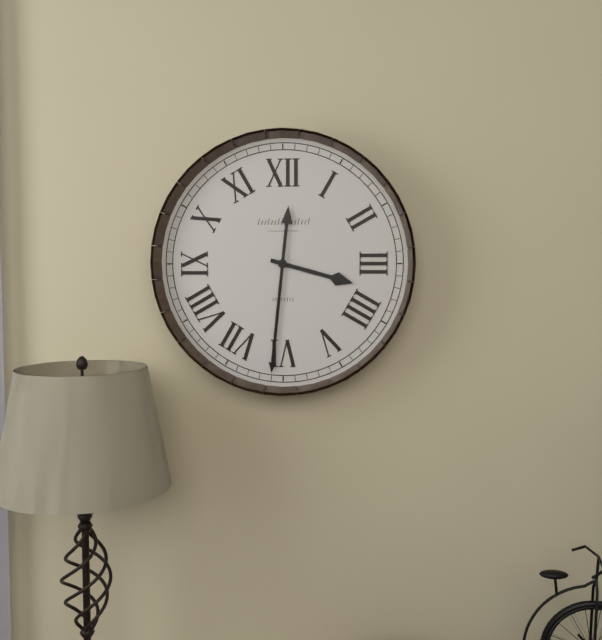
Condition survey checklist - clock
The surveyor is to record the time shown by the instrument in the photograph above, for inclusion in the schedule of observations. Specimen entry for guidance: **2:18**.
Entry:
**3:31**
